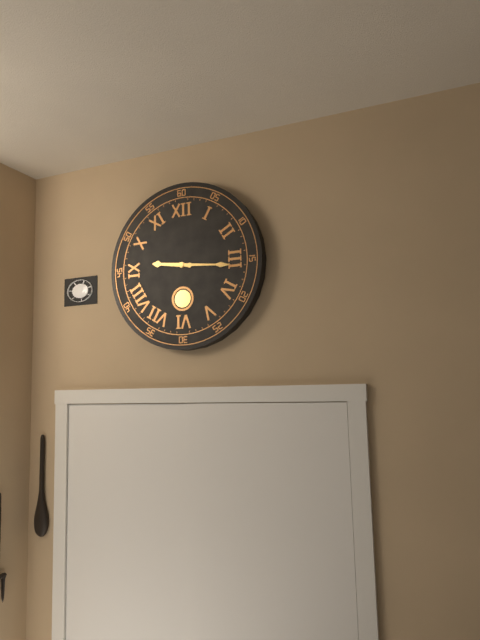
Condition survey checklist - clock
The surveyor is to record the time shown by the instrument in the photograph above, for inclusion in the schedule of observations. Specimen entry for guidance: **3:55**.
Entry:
**9:16**
